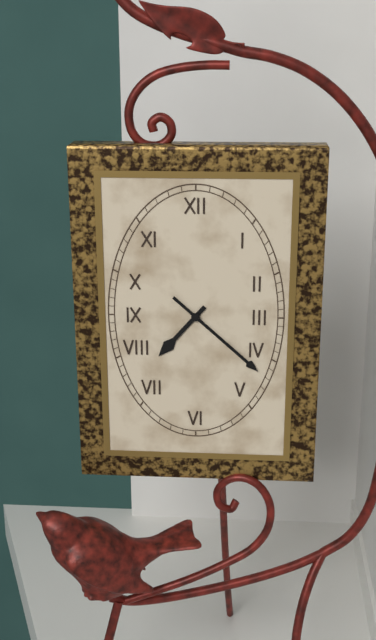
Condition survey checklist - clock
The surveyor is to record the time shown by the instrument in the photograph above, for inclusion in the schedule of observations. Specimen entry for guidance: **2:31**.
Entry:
**7:22**
